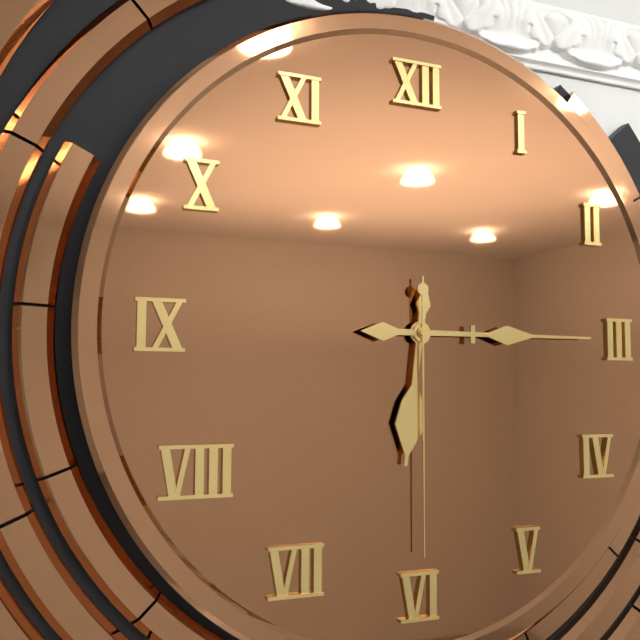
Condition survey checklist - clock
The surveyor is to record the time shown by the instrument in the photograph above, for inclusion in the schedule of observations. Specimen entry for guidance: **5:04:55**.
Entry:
**6:15:30**
